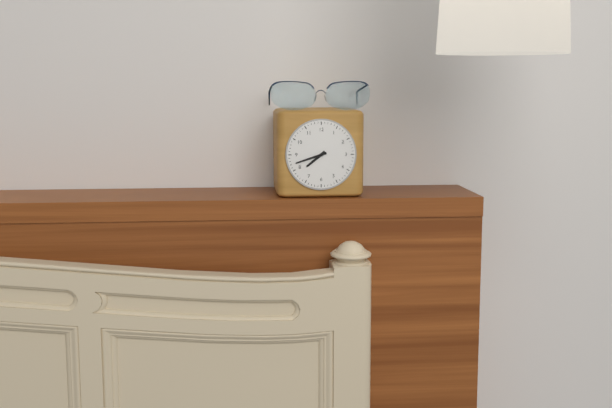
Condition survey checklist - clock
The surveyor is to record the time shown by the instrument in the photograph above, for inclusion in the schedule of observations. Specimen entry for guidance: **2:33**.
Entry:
**7:42**
